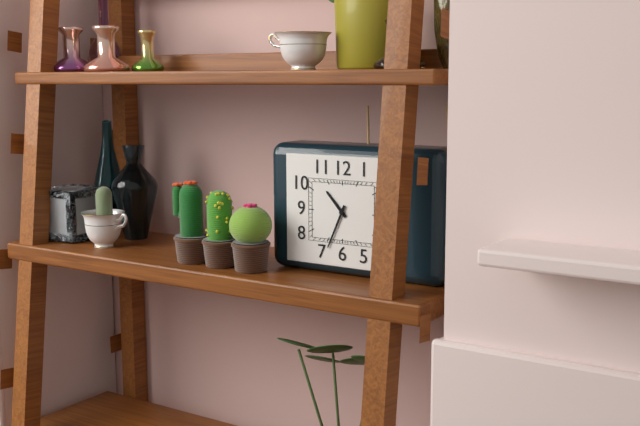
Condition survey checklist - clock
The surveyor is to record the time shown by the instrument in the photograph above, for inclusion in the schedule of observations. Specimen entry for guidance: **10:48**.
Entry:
**10:34**
